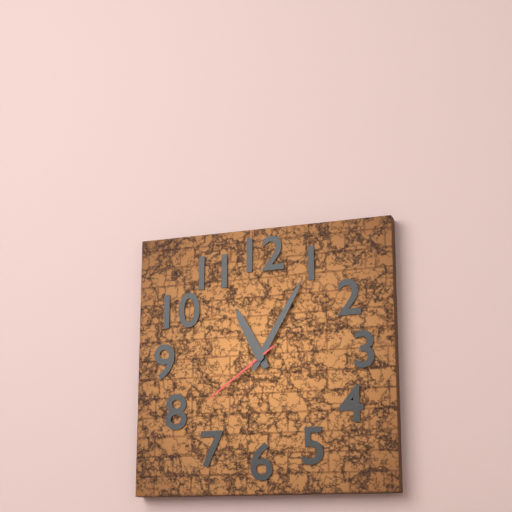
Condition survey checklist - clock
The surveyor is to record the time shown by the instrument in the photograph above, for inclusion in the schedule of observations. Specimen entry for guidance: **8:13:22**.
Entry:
**11:05:39**
